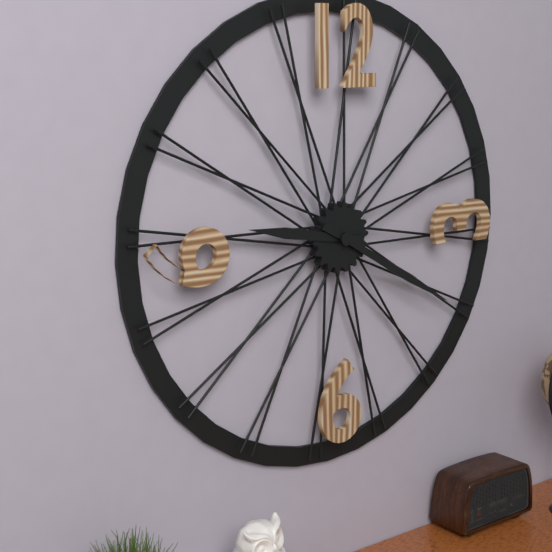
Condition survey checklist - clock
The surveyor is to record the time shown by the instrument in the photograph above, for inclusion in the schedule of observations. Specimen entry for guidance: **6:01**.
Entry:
**9:20**
